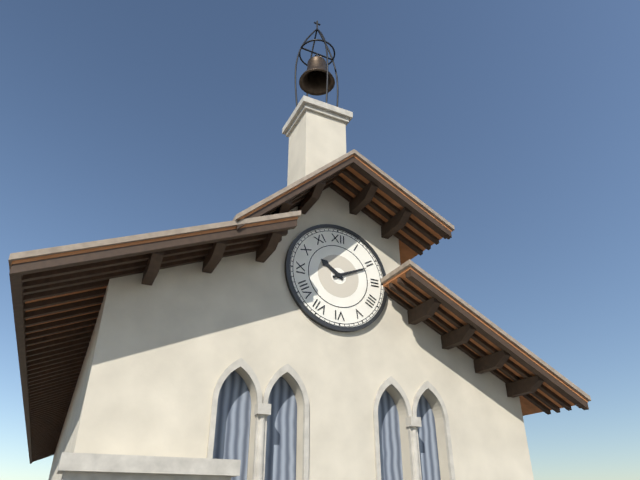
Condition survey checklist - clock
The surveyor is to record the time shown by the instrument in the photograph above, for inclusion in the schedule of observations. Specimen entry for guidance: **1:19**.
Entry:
**10:11**
